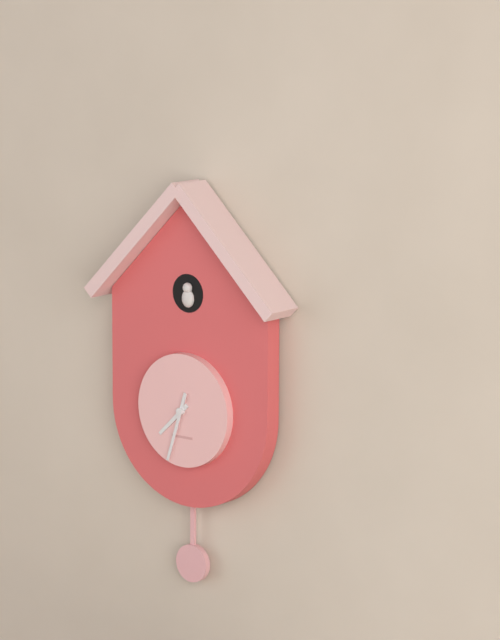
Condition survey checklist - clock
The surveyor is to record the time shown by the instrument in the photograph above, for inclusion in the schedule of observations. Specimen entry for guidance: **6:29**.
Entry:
**7:33**
